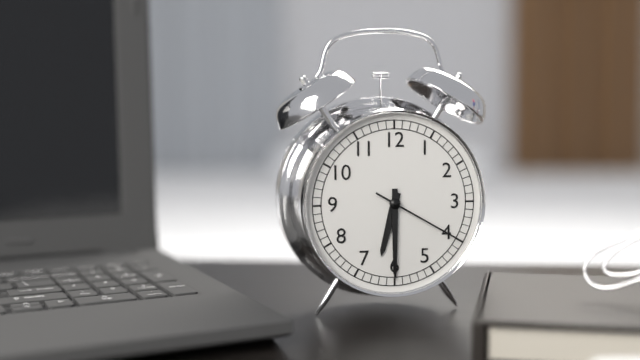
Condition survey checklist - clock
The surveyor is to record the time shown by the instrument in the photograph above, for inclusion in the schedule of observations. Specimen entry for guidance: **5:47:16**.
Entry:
**6:30:20**
